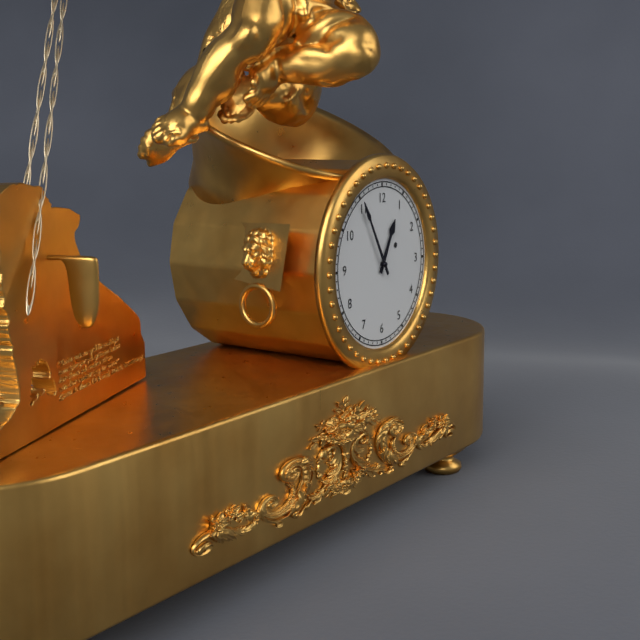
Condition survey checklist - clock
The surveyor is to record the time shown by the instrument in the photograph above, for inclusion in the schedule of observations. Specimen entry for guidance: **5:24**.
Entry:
**12:55**
